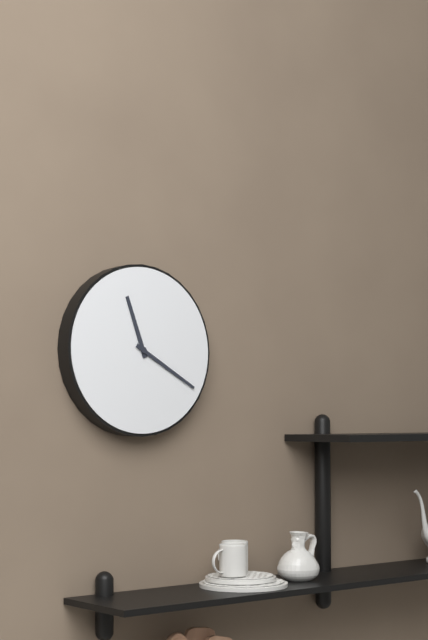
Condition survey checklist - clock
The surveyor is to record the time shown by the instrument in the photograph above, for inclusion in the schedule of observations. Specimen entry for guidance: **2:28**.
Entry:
**11:20**
